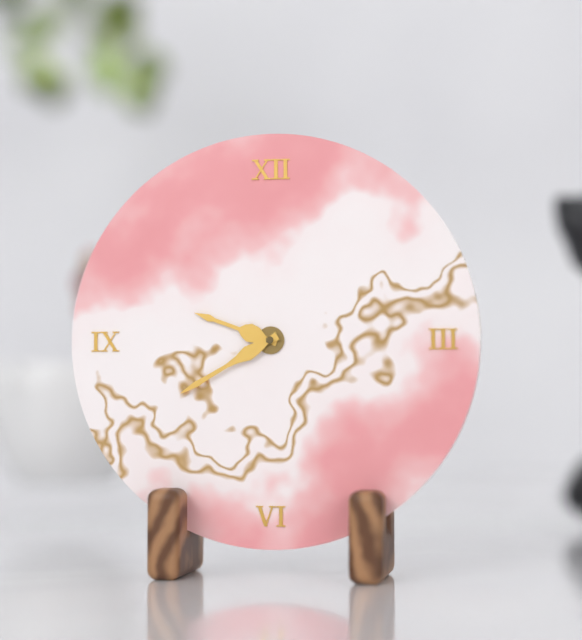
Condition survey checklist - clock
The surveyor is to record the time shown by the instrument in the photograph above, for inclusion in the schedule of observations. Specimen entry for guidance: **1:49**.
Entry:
**9:40**
